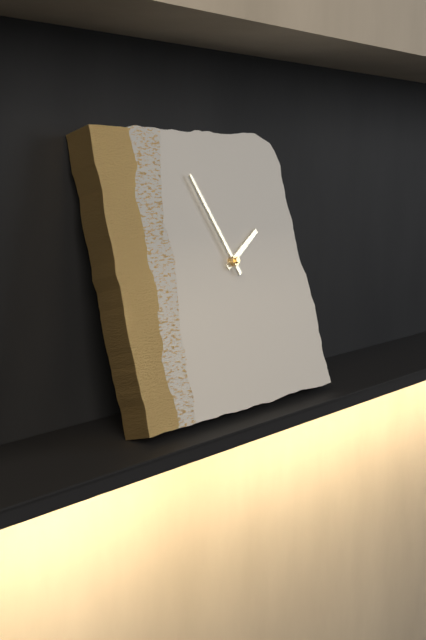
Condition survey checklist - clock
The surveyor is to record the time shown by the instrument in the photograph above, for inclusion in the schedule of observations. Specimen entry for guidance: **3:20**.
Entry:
**1:56**
